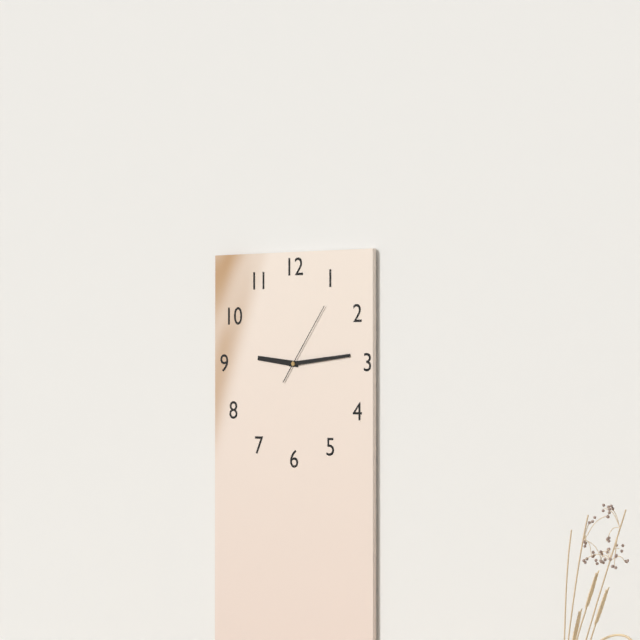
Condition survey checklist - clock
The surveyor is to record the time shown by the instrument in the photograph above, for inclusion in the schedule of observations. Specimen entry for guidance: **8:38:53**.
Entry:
**9:14:06**
